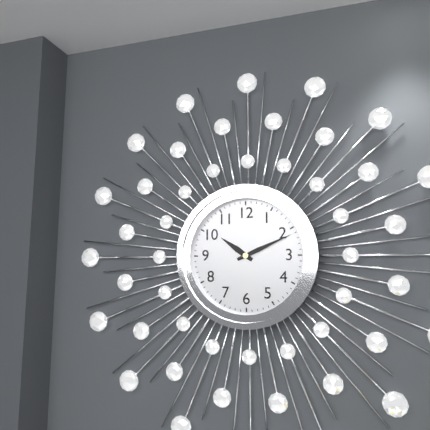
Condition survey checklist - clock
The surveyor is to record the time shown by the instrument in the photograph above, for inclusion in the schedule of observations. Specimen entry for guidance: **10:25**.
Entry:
**10:11**
